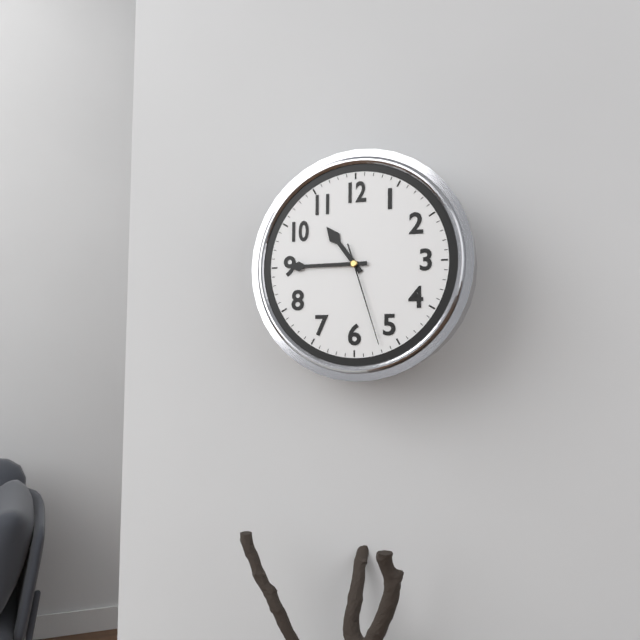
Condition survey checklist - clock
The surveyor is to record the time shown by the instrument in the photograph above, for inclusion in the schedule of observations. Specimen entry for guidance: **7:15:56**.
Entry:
**10:45:27**
